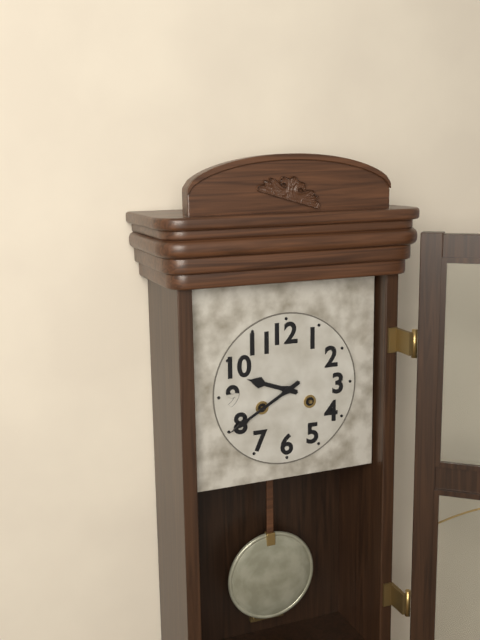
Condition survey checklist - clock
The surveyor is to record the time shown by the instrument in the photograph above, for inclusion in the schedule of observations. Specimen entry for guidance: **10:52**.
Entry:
**9:40**
